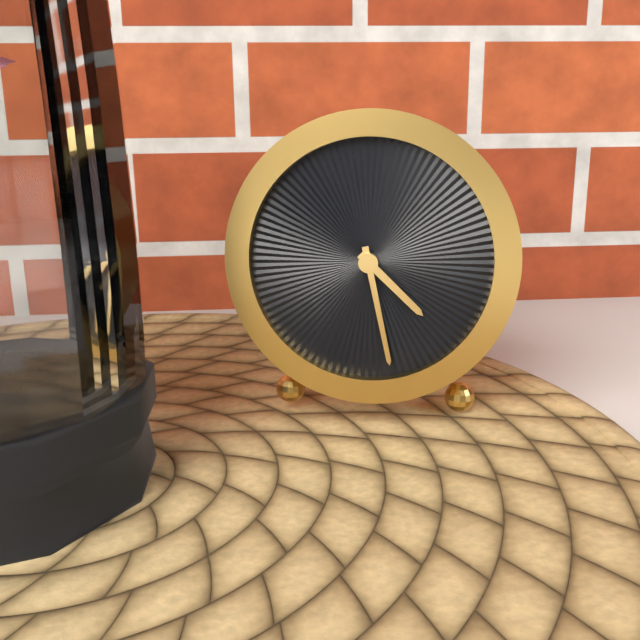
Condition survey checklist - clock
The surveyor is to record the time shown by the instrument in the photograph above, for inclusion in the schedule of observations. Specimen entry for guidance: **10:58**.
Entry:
**4:28**
